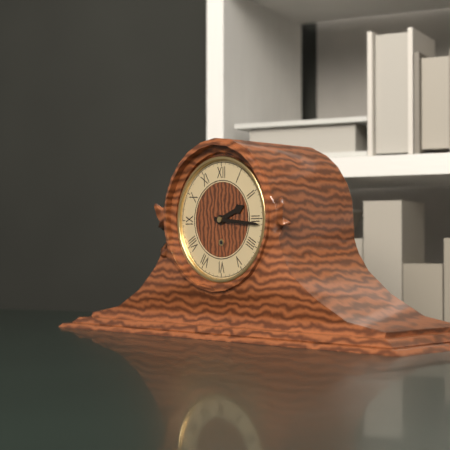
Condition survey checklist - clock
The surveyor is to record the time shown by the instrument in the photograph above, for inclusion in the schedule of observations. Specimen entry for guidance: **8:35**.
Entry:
**2:16**
